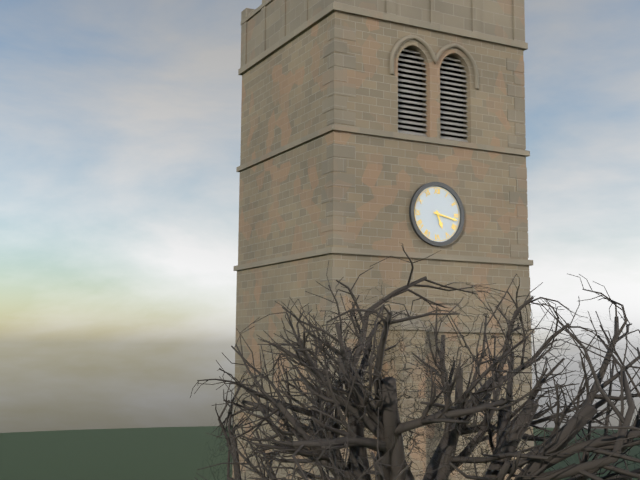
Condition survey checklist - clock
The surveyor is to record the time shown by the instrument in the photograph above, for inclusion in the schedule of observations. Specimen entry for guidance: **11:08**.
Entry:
**5:17**
